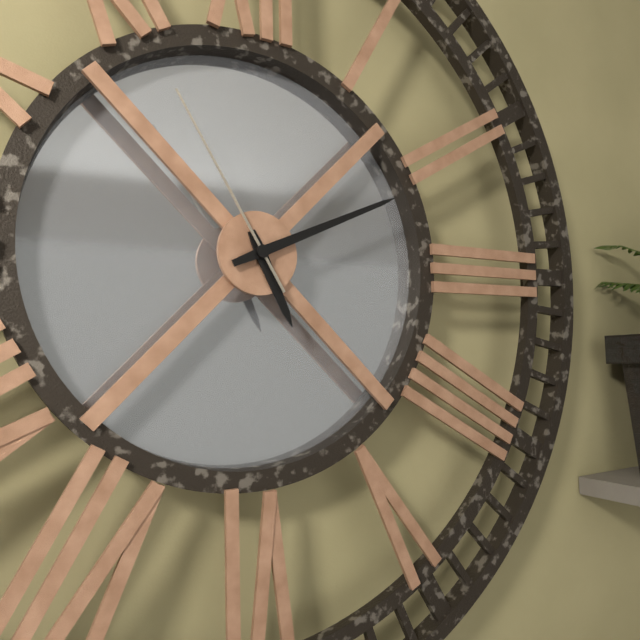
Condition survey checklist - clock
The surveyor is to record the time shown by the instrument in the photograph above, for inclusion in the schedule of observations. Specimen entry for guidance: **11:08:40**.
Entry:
**5:11:55**
